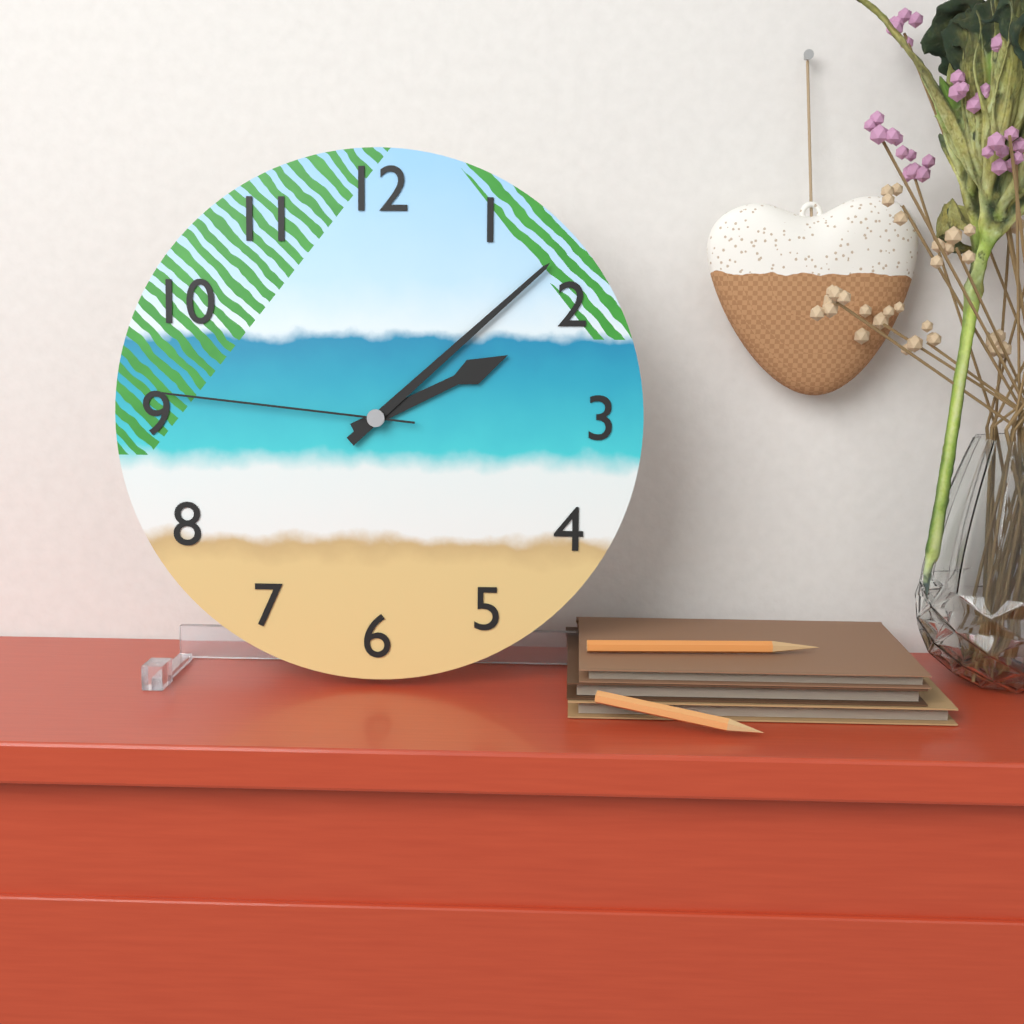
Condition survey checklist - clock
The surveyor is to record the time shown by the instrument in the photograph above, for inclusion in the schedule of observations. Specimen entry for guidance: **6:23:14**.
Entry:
**2:08:46**
